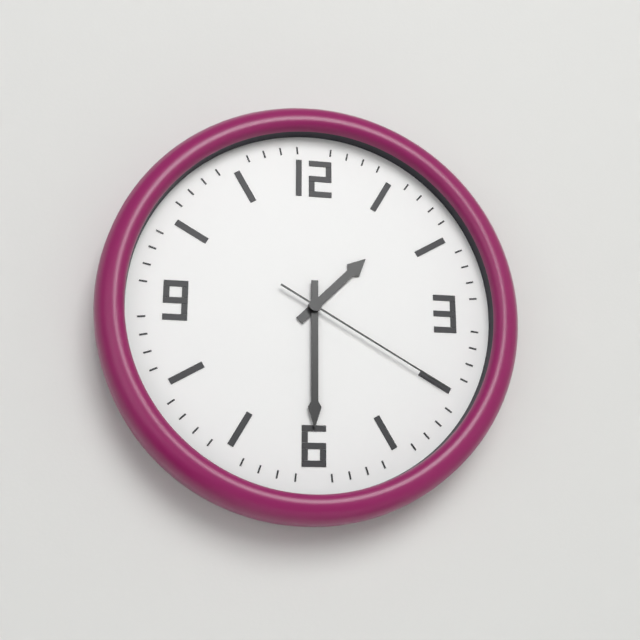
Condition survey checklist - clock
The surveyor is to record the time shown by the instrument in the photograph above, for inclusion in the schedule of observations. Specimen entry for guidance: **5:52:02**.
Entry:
**1:30:20**
